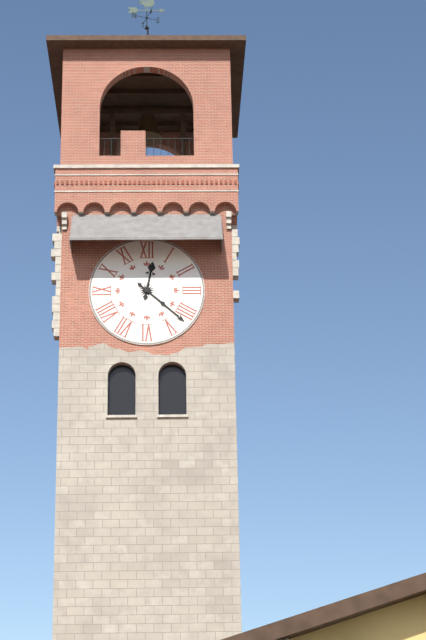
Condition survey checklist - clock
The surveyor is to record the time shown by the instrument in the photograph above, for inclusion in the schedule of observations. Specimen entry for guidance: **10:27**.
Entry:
**12:22**
